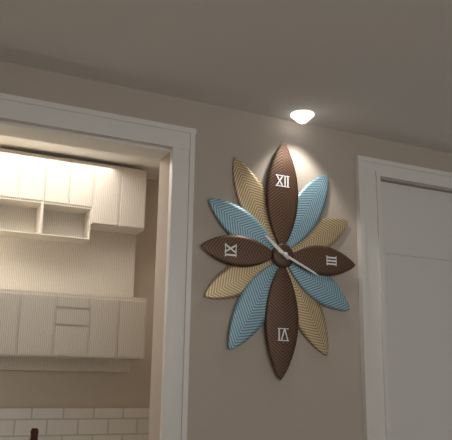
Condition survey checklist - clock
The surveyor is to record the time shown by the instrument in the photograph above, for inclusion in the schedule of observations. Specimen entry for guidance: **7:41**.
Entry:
**10:19**
